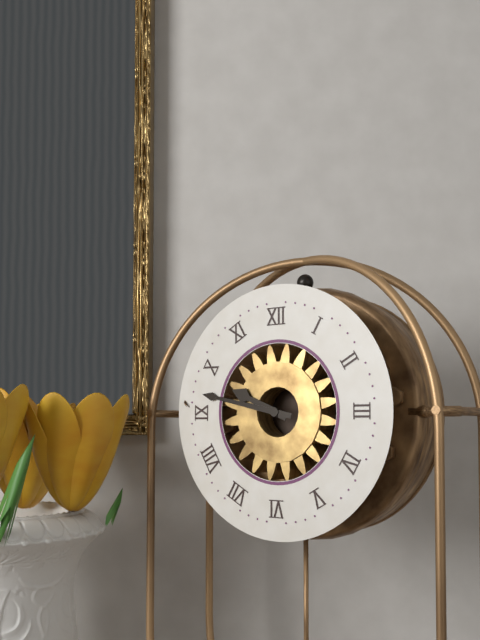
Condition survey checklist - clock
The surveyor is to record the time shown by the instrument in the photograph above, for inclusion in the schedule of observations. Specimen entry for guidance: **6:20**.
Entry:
**9:47**
